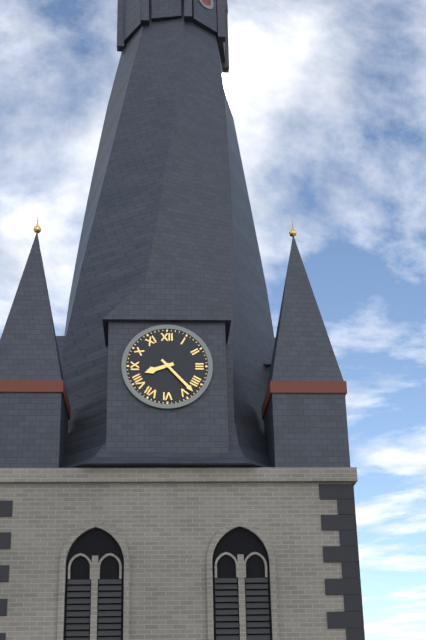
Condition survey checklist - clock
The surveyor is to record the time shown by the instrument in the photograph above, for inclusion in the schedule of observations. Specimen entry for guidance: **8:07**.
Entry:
**8:23**
